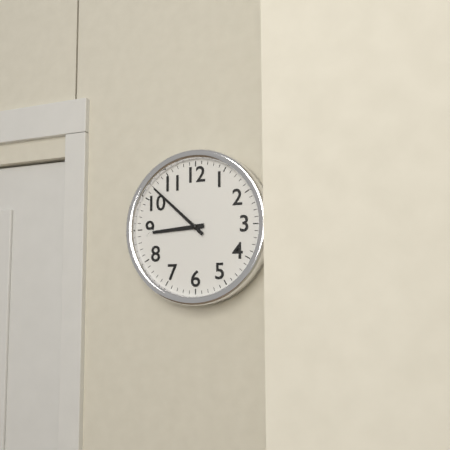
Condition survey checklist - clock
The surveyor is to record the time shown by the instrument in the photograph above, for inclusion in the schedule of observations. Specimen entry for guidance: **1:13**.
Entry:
**8:52**
